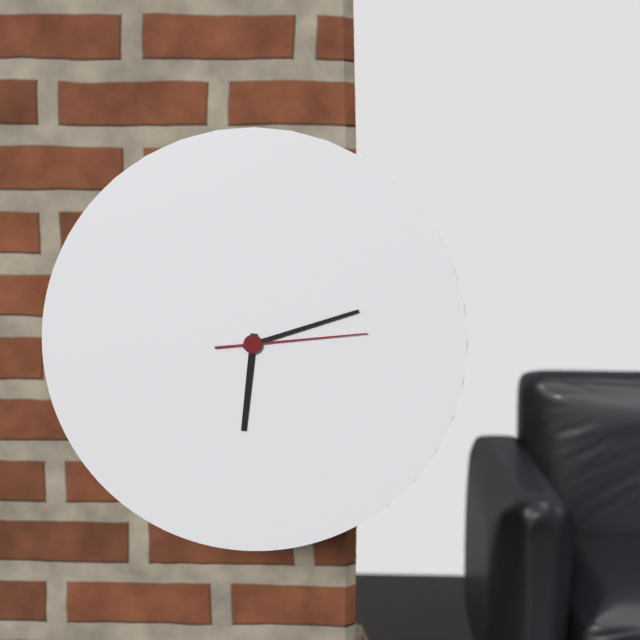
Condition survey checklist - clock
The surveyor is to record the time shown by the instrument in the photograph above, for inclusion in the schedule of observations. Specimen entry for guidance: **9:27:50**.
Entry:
**6:12:14**
